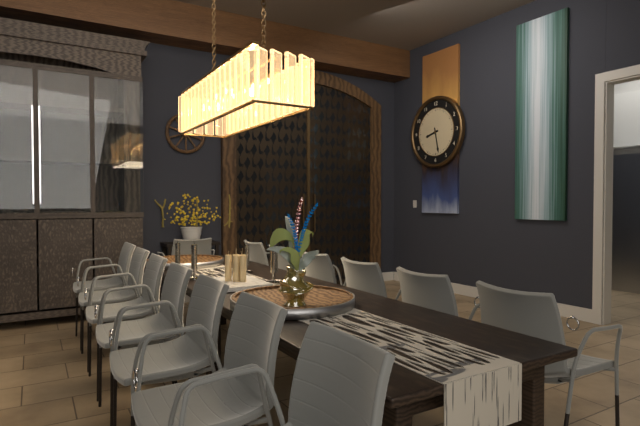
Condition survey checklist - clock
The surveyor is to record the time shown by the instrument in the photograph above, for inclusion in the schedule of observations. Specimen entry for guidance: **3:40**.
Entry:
**8:28**
